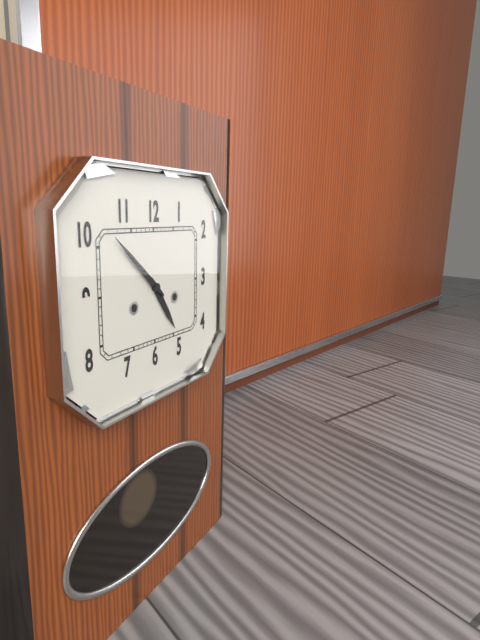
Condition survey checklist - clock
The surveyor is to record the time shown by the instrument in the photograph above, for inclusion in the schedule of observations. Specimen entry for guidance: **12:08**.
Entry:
**4:52**
